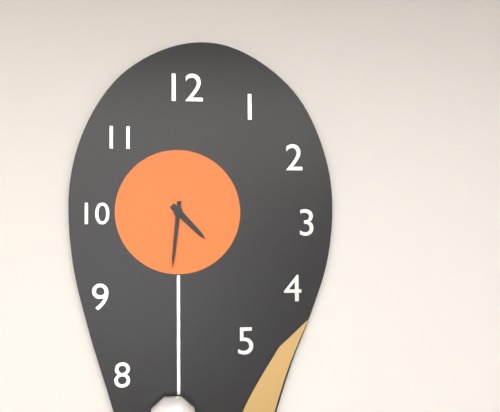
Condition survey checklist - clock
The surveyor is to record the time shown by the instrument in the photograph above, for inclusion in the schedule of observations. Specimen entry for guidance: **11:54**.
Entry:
**4:31**
